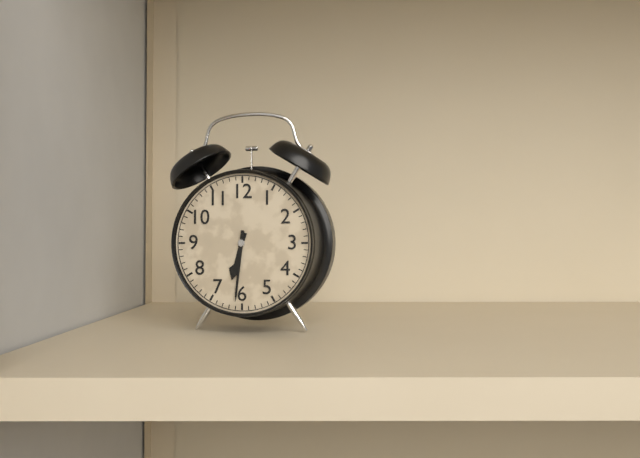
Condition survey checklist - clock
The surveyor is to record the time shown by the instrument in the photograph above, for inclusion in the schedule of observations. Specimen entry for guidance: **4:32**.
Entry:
**6:31**
